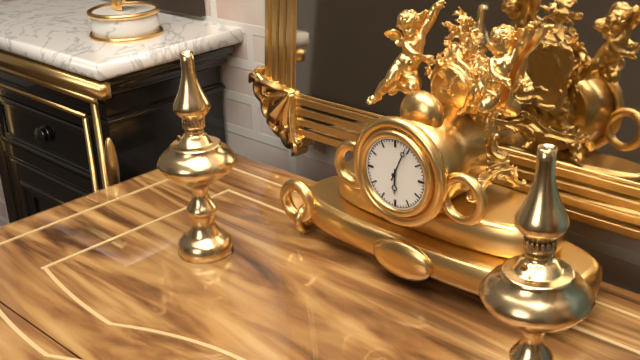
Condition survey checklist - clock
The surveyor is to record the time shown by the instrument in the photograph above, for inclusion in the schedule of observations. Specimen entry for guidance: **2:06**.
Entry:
**6:04**
